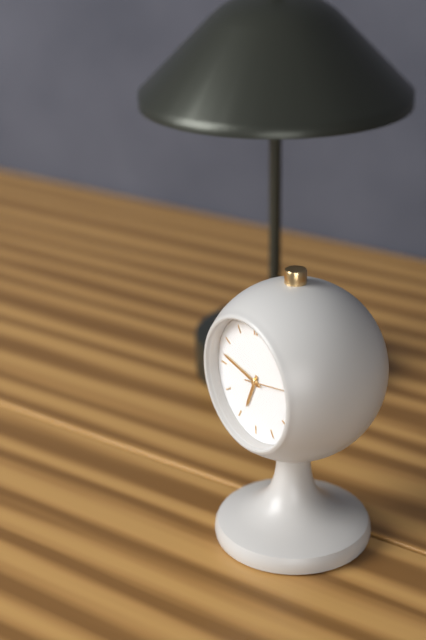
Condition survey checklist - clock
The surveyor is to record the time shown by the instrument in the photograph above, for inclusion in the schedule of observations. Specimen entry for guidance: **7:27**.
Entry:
**6:47**
